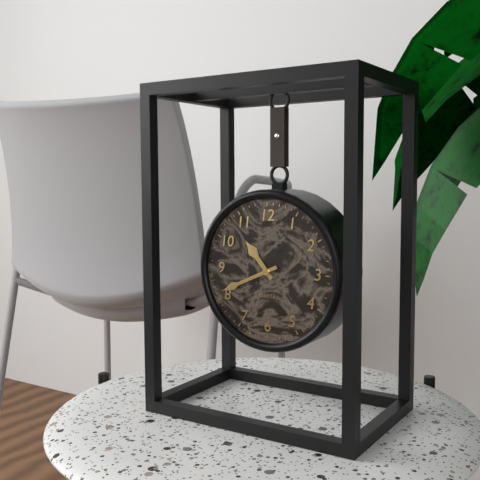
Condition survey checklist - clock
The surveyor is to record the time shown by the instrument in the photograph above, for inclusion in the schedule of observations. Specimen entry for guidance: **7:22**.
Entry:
**10:41**
